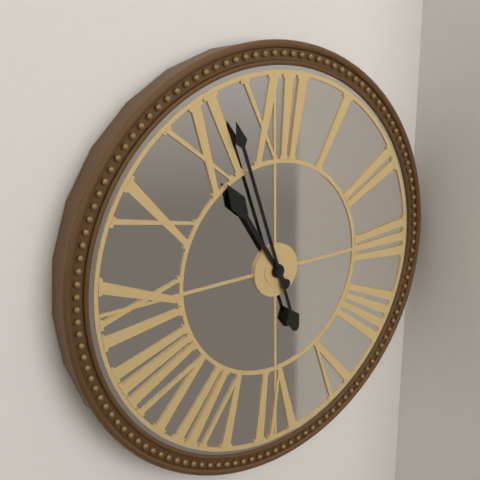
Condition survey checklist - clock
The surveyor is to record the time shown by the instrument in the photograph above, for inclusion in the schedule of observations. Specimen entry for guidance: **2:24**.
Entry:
**10:57**
